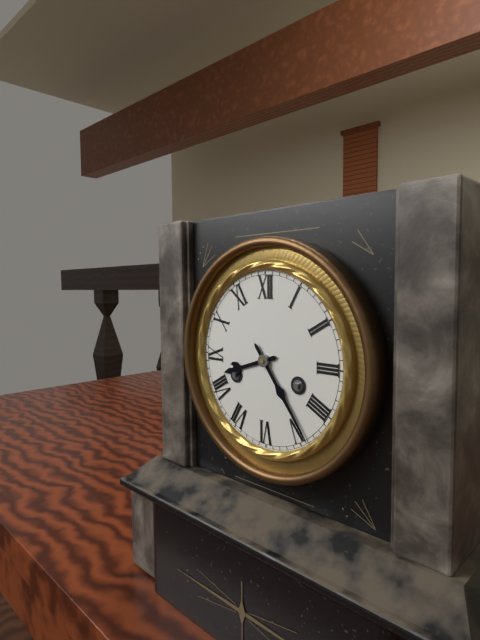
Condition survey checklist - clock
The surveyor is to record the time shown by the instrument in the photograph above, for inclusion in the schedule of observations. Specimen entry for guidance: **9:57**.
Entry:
**8:24**
